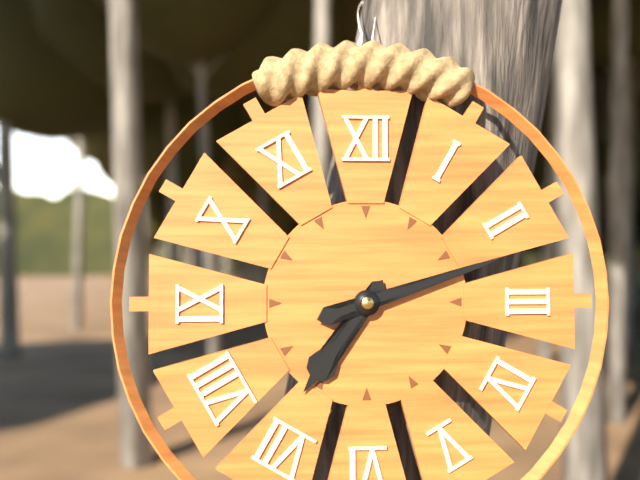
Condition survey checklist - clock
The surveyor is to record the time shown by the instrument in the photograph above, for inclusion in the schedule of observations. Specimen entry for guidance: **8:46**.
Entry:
**7:12**
